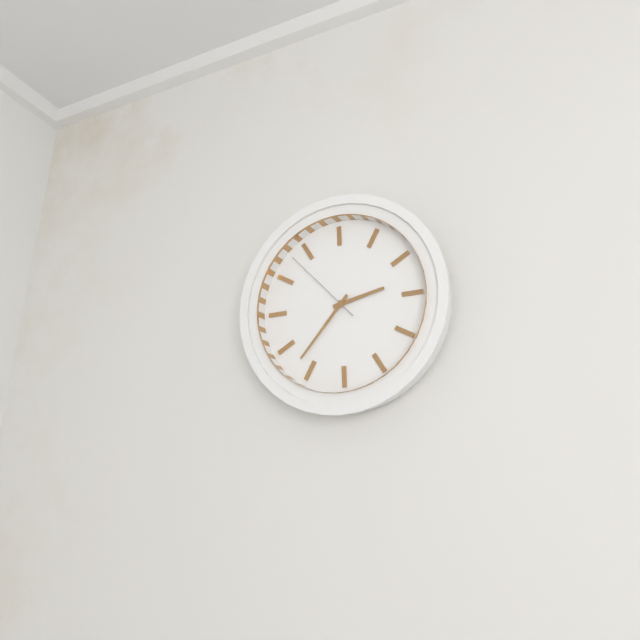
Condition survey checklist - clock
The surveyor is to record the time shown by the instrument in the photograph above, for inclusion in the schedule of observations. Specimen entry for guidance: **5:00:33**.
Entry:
**2:37:53**
